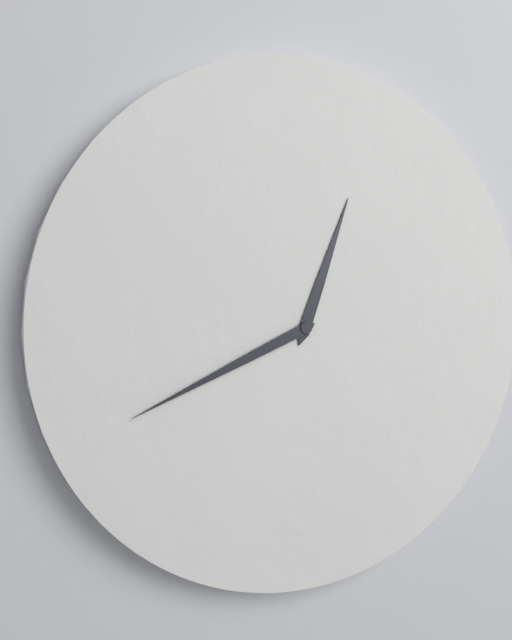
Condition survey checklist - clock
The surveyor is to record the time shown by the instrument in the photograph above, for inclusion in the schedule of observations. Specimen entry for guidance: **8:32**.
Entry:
**12:41**
